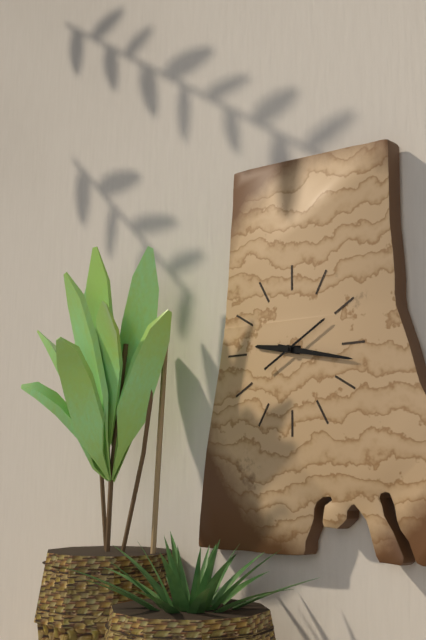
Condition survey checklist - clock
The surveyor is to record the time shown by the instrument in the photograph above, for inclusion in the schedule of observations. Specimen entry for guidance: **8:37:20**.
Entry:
**9:17:10**
